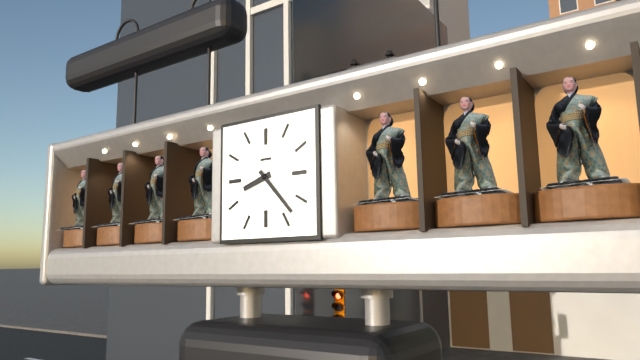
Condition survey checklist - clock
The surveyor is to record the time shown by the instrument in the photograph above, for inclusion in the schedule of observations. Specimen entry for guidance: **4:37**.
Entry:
**8:23**
